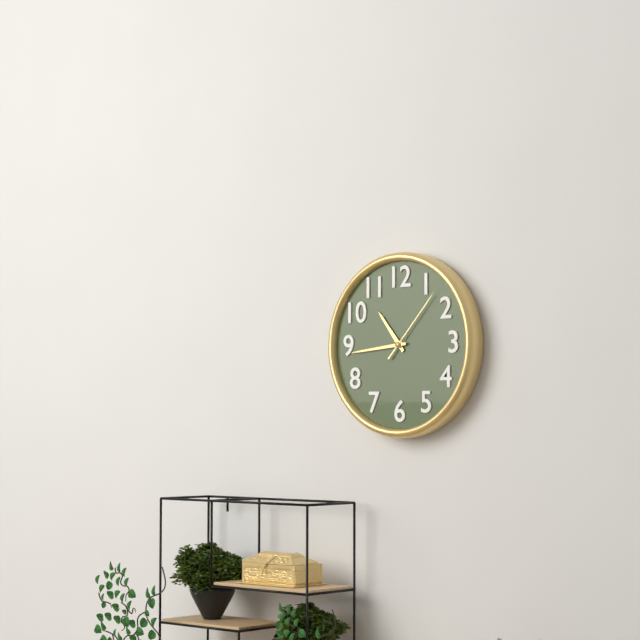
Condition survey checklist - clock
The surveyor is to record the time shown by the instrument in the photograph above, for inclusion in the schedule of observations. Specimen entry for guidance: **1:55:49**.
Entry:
**10:44:07**
